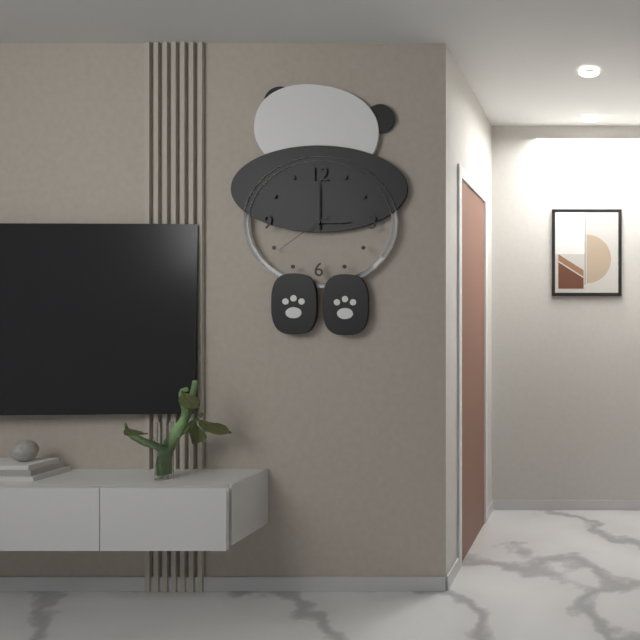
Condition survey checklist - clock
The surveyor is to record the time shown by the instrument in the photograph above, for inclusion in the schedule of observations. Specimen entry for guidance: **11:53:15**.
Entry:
**3:00:39**
